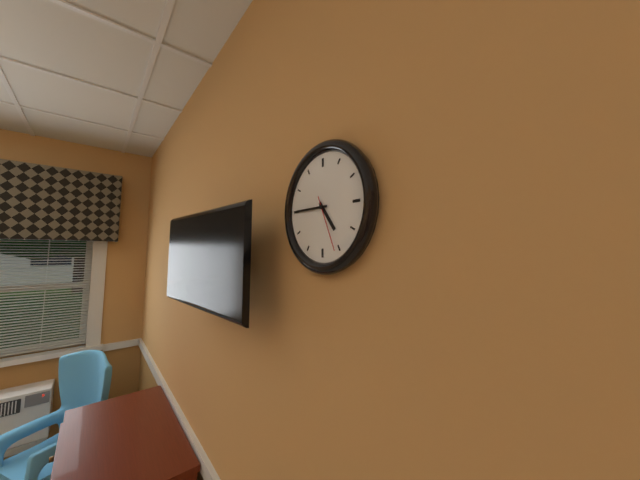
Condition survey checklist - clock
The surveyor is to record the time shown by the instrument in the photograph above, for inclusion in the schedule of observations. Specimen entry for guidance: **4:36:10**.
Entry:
**4:45:26**
